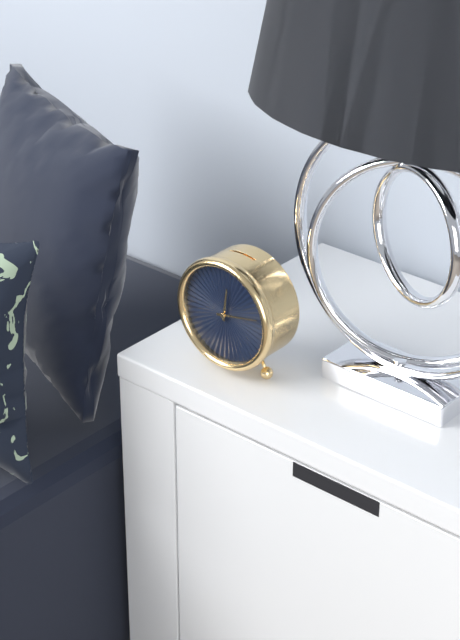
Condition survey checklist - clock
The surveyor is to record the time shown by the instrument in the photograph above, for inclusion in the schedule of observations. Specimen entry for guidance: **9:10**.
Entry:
**12:13**
